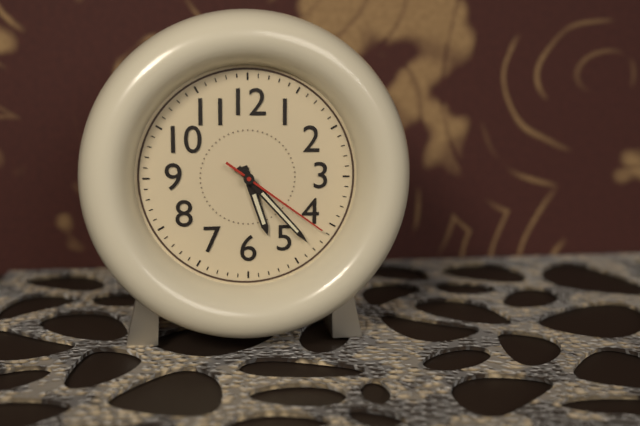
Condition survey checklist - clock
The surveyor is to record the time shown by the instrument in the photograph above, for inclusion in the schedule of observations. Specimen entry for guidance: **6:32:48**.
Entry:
**5:23:21**
